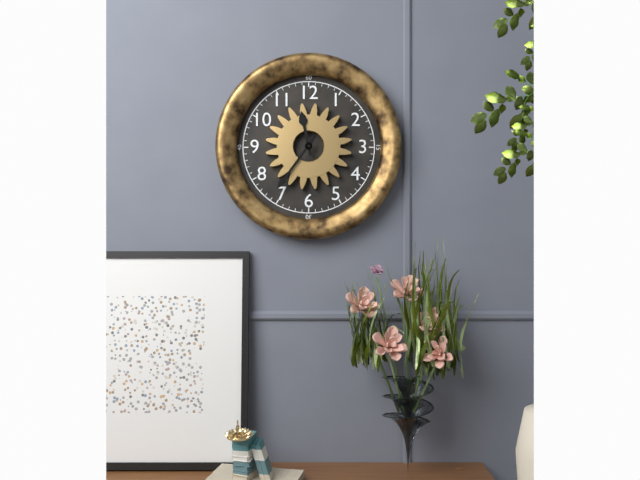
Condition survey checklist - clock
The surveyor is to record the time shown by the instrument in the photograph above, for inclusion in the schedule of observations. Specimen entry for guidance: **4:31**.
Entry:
**11:36**
